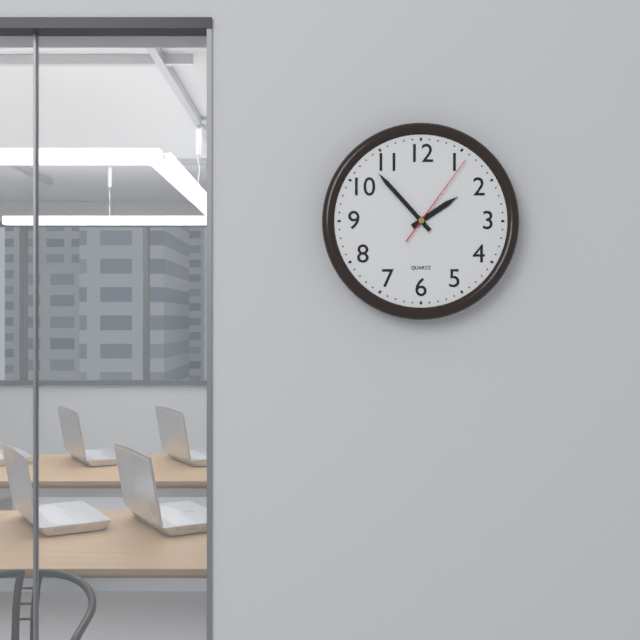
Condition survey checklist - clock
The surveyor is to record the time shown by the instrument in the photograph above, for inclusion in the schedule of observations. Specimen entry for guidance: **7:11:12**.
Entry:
**1:53:06**
